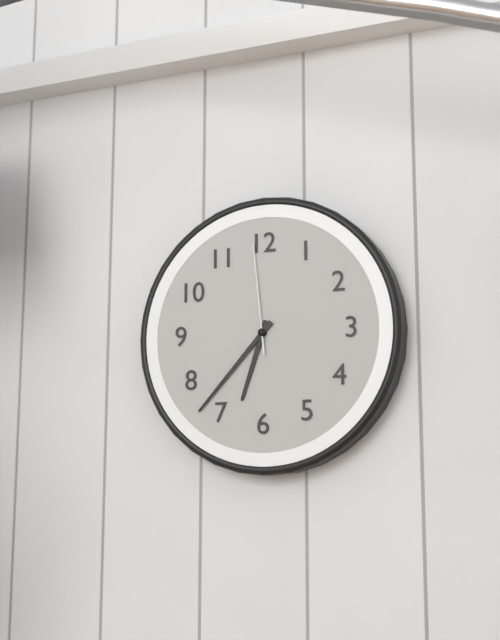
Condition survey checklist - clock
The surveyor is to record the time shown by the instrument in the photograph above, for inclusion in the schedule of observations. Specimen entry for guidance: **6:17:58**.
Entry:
**6:37:59**
